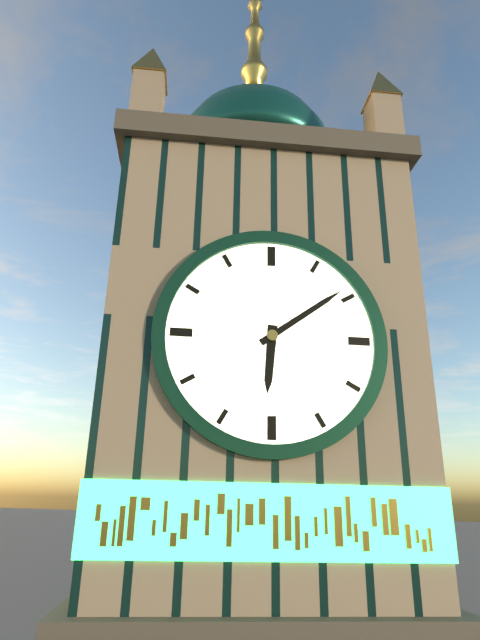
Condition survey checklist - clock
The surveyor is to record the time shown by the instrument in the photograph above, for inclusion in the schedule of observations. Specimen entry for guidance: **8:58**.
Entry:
**6:09**
